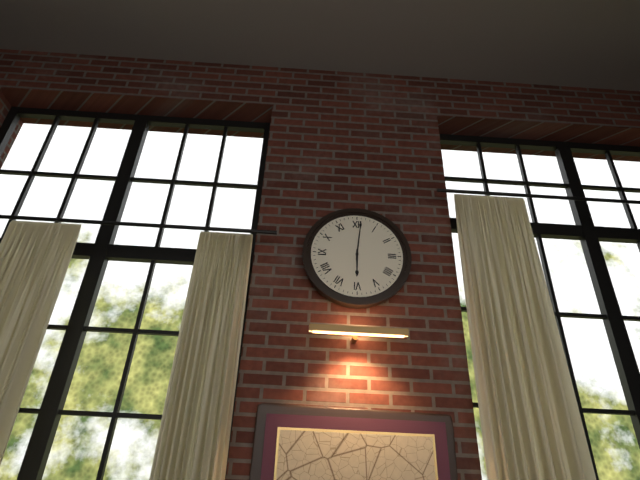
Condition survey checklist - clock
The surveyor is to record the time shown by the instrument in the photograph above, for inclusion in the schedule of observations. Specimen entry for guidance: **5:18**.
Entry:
**6:01**
